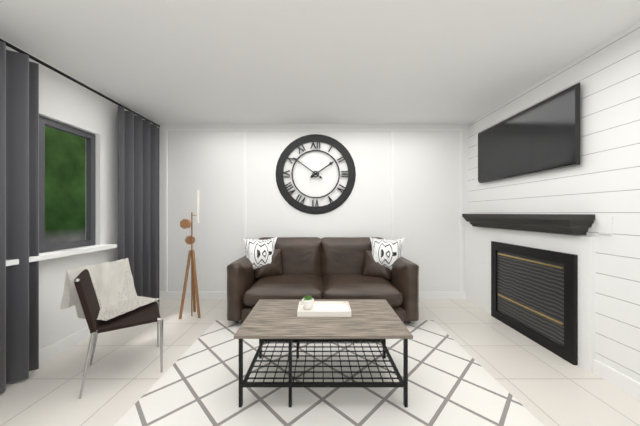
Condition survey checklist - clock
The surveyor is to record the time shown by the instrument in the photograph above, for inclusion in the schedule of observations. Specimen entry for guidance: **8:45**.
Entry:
**1:51**
